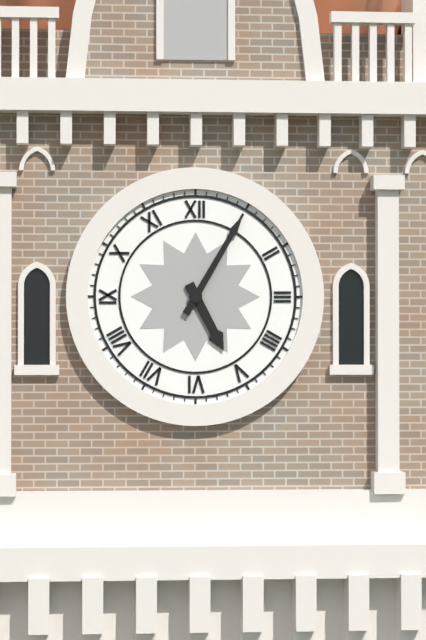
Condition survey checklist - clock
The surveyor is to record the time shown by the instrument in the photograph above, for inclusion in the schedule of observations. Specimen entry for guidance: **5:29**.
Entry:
**5:05**
